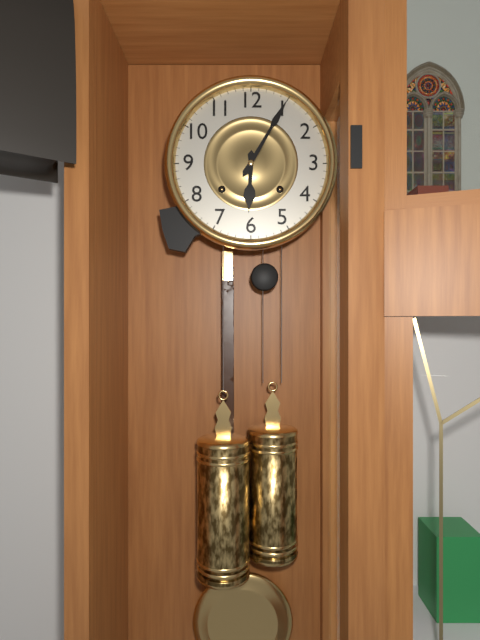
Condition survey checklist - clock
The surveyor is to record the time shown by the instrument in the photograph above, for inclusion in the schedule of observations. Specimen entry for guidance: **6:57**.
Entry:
**6:05**
